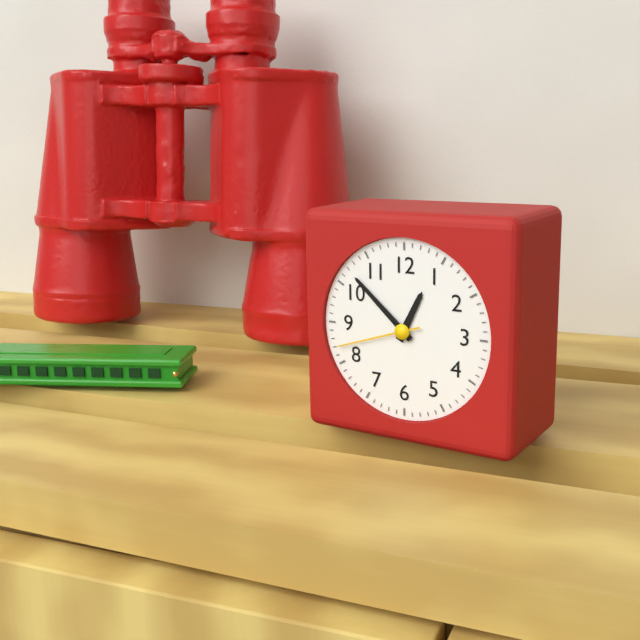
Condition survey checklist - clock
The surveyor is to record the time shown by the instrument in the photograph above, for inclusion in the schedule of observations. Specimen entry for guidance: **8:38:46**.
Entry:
**12:52:42**
